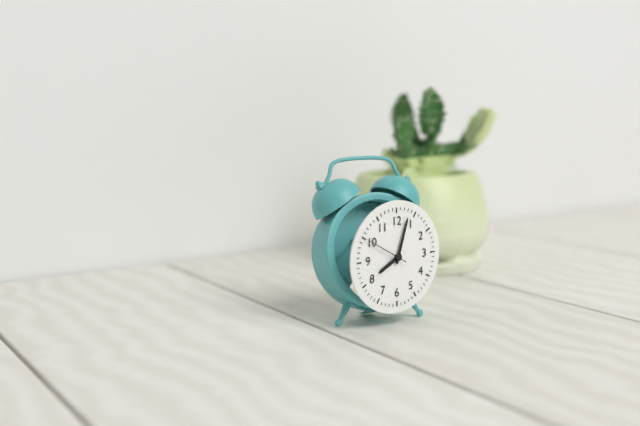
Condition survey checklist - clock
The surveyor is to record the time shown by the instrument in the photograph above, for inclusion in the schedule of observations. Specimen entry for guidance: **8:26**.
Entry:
**8:03**
